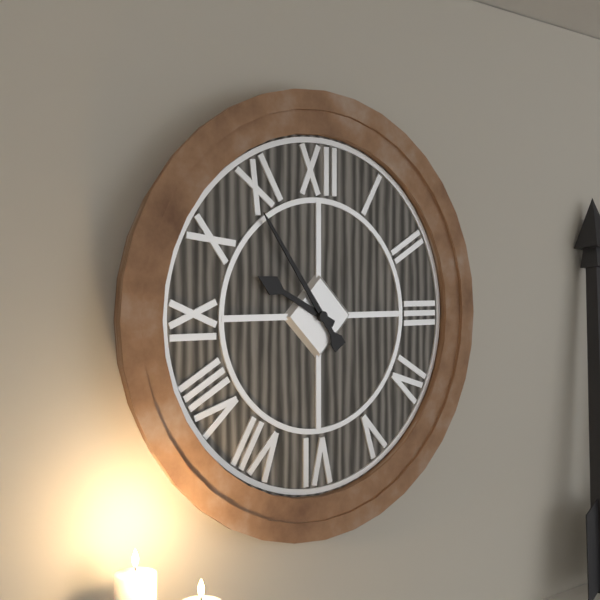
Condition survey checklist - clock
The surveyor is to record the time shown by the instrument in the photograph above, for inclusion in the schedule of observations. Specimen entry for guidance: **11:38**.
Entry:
**9:54**
